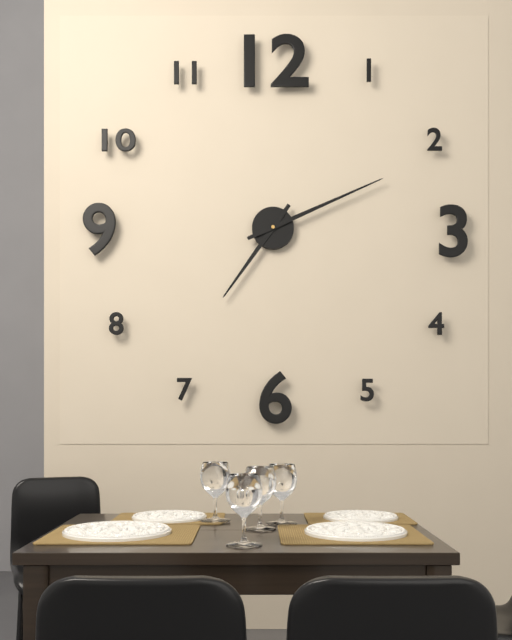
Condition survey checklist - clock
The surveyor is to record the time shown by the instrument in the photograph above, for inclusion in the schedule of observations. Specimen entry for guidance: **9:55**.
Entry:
**7:11**
